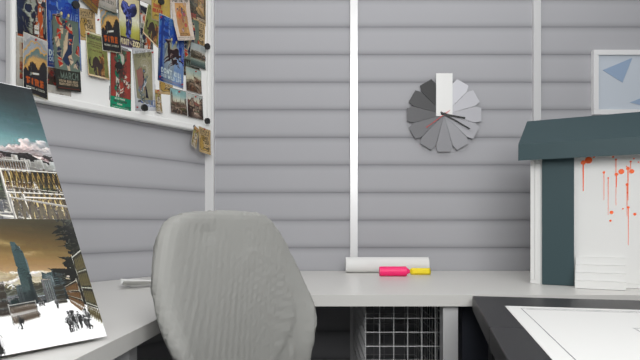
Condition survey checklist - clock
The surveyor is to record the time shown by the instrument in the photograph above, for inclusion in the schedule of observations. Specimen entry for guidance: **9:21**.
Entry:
**3:20**
